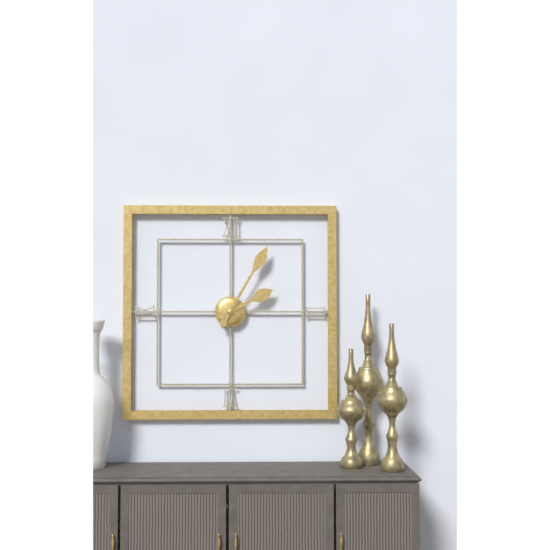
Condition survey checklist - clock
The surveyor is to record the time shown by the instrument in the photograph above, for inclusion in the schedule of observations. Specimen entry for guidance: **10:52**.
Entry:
**2:05**
